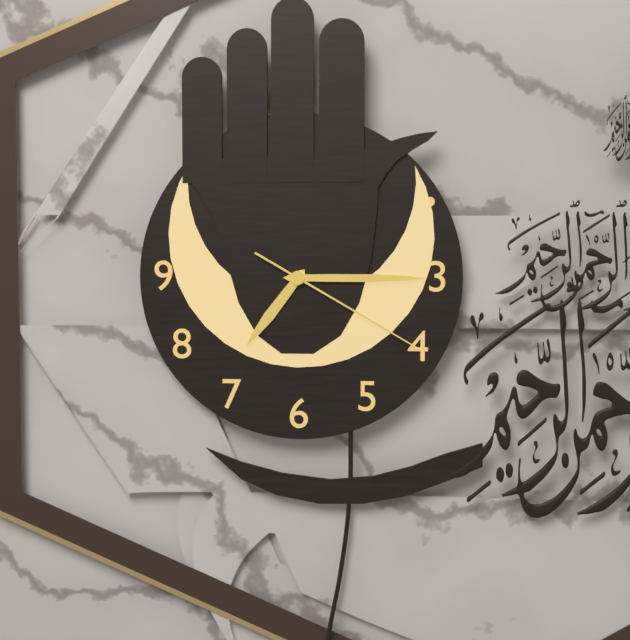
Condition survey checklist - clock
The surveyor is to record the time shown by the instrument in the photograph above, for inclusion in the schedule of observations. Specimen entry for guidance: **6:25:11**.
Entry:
**7:15:20**
